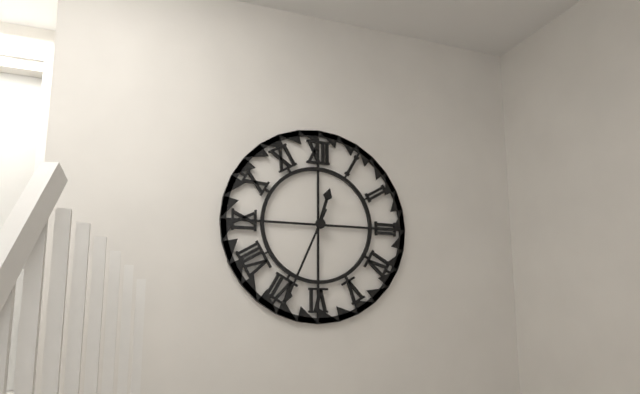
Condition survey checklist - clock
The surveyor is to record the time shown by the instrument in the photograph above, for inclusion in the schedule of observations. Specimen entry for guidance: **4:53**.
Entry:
**12:34**
